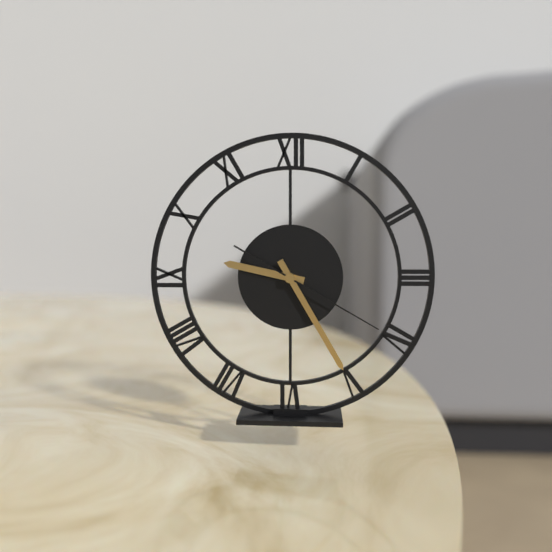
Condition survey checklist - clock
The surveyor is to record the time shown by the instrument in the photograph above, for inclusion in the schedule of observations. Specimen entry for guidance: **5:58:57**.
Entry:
**9:25:20**
